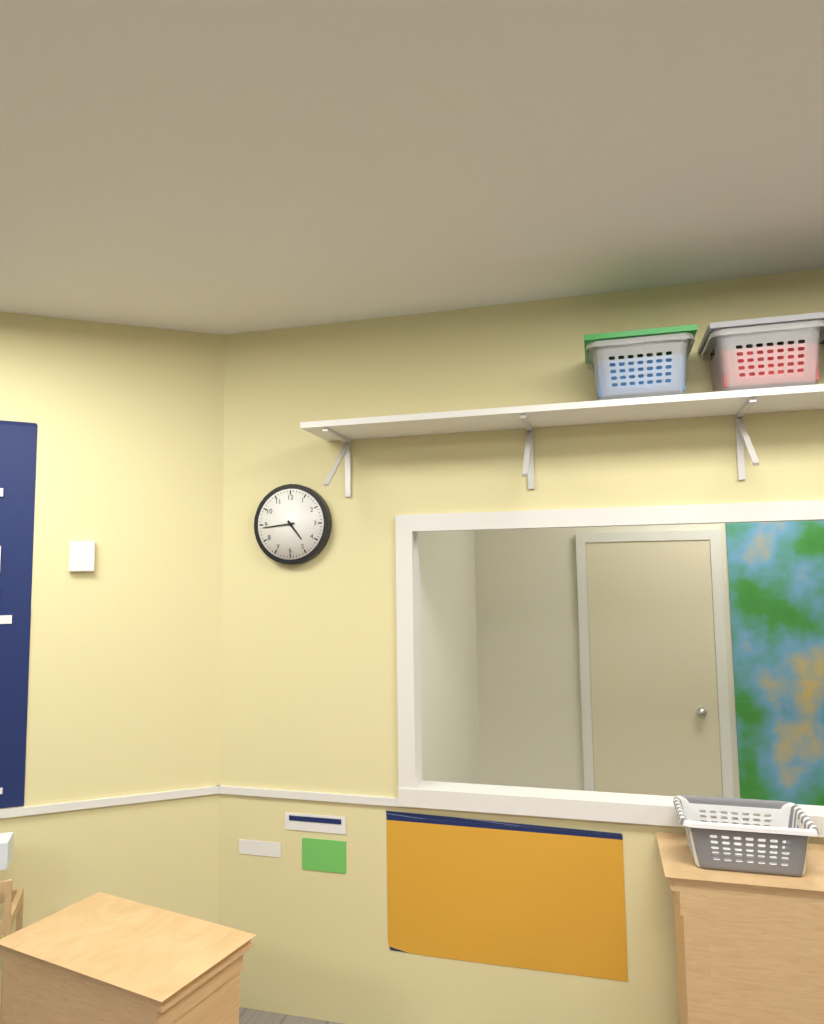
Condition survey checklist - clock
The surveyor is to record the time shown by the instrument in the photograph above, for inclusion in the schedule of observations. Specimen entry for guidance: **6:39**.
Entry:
**4:44**
